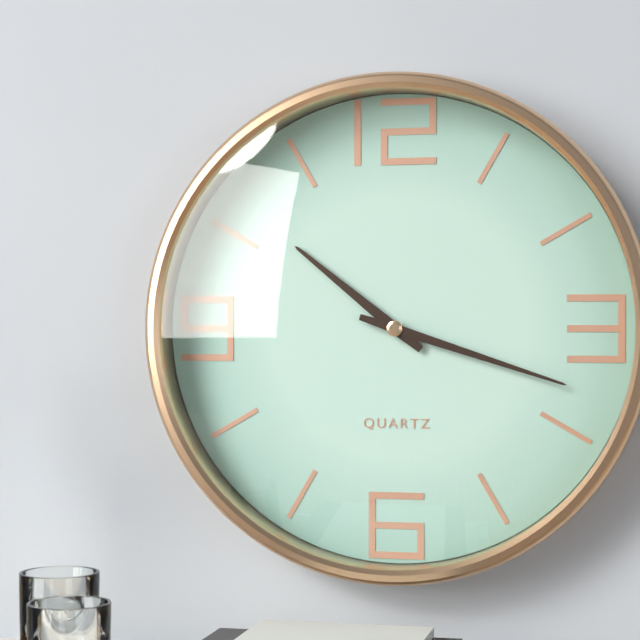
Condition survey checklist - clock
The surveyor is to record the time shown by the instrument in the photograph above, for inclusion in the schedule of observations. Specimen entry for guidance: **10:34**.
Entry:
**10:18**
